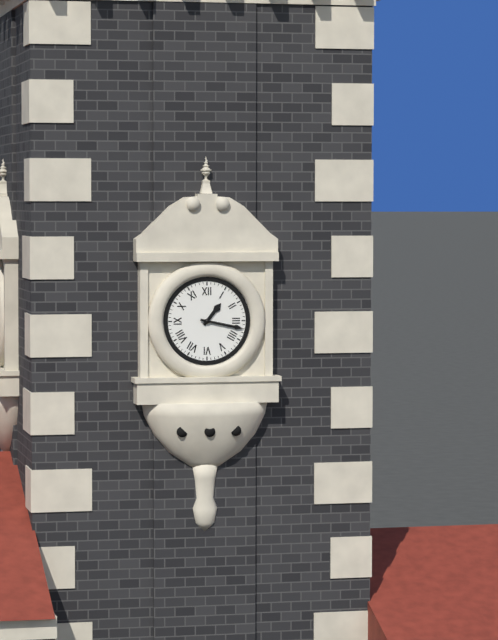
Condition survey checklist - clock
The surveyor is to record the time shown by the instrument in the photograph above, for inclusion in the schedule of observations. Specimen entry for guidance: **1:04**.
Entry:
**1:17**
